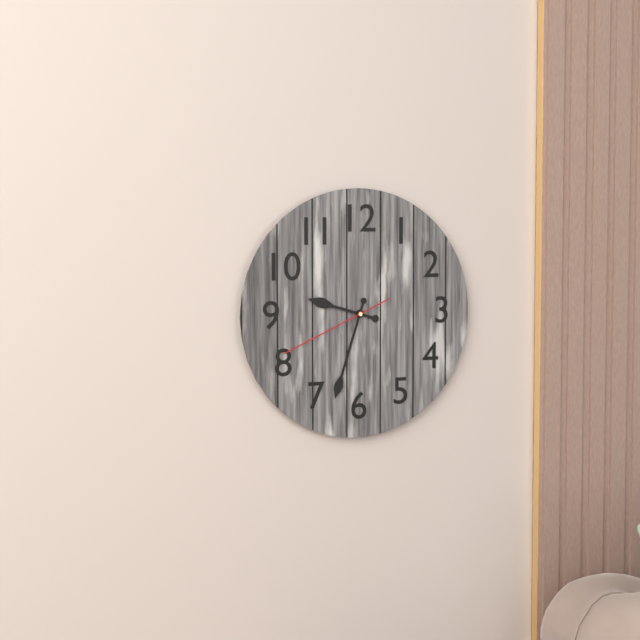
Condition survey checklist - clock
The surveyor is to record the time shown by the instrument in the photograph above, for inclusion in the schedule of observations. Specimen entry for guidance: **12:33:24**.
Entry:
**9:33:41**
